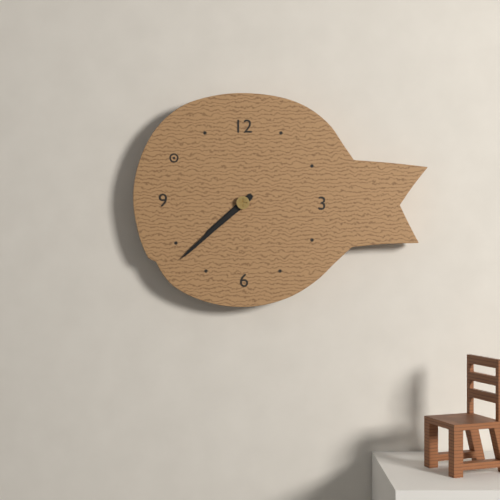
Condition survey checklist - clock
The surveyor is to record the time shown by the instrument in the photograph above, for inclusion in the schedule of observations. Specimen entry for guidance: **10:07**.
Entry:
**7:38**
